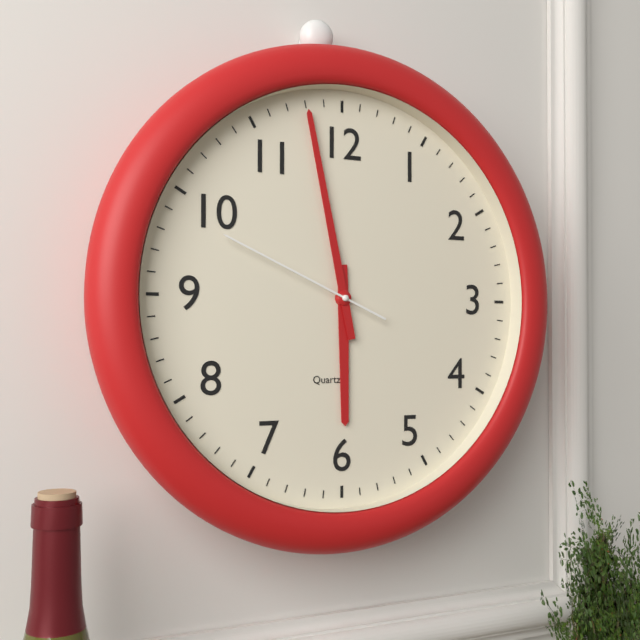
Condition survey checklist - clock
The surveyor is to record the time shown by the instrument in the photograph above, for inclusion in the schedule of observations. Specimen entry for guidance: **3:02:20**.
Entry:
**5:58:49**
